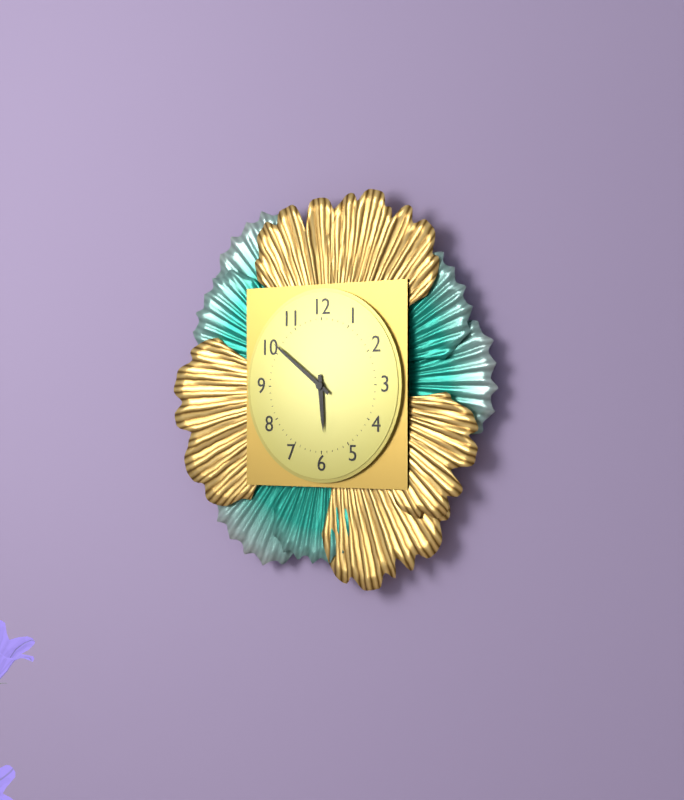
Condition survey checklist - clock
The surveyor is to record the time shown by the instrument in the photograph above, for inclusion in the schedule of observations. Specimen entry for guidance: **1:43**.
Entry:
**5:51**
